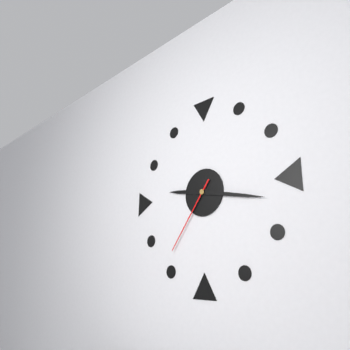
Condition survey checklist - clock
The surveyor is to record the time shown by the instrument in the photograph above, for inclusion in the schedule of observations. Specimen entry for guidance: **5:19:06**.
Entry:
**9:17:36**
